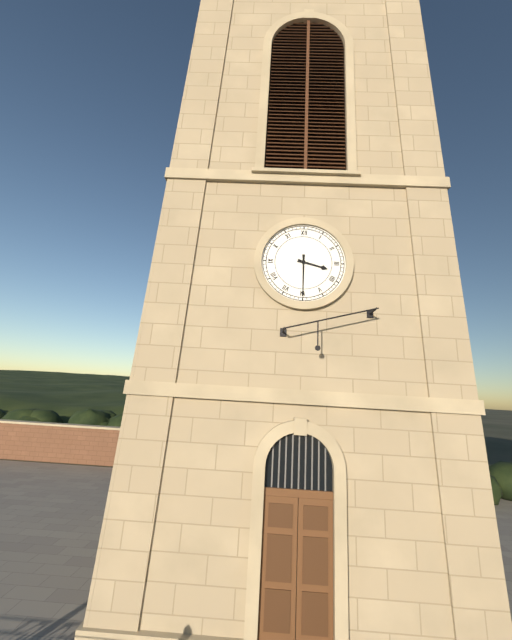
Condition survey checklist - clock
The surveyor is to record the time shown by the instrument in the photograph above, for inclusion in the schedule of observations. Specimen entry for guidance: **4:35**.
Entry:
**3:30**
